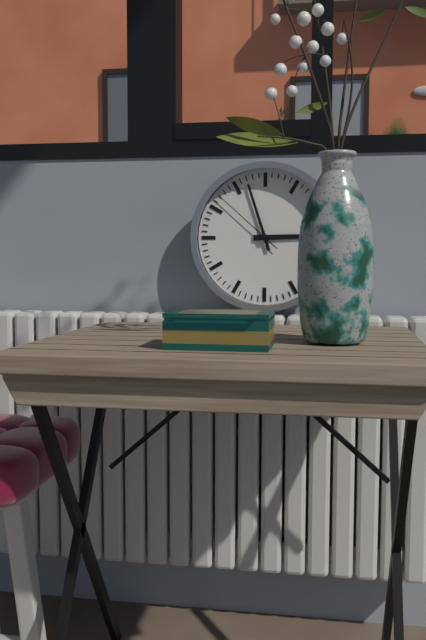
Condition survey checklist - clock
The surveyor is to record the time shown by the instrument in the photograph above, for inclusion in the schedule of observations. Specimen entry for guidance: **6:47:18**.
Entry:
**2:57:52**
